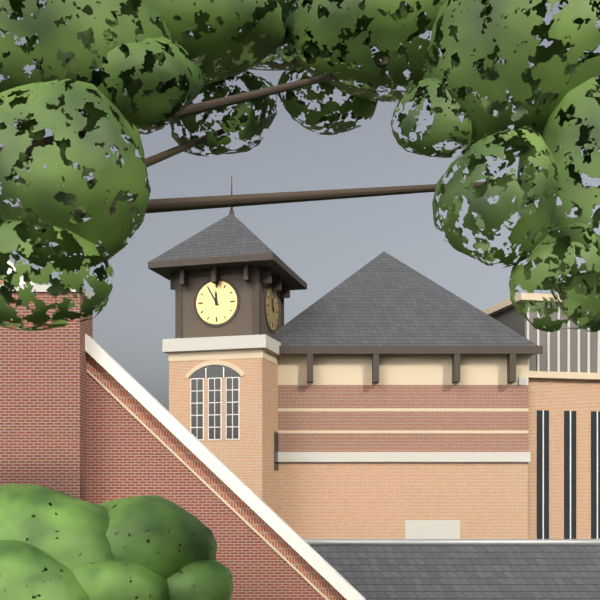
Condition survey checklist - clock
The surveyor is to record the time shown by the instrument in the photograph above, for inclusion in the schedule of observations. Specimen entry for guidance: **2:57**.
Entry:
**11:55**
